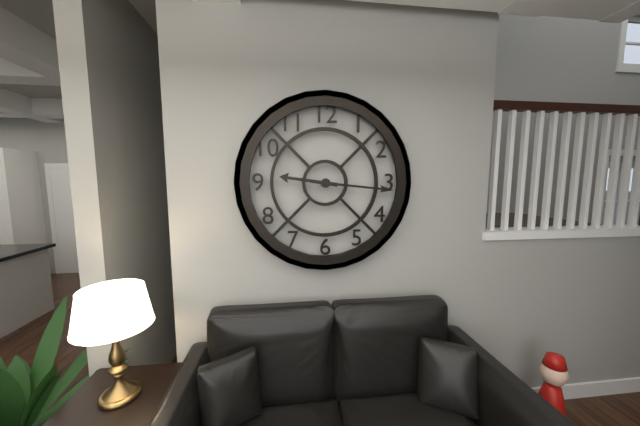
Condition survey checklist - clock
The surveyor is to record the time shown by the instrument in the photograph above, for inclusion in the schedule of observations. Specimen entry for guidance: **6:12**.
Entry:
**9:16**
